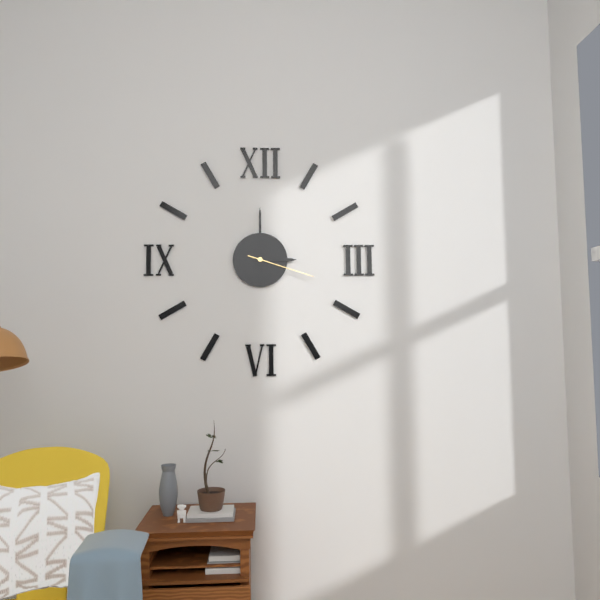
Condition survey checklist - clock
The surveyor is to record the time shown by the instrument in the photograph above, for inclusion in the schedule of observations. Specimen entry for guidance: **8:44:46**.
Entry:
**3:00:18**
